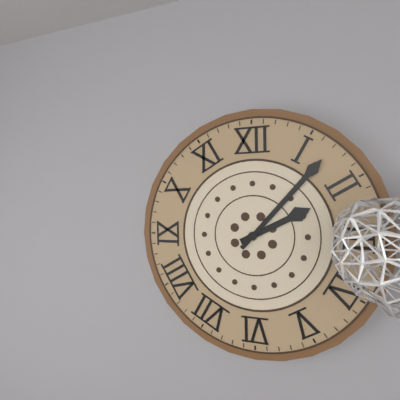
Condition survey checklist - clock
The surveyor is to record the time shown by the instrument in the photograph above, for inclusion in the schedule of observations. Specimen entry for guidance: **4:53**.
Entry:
**2:07**
